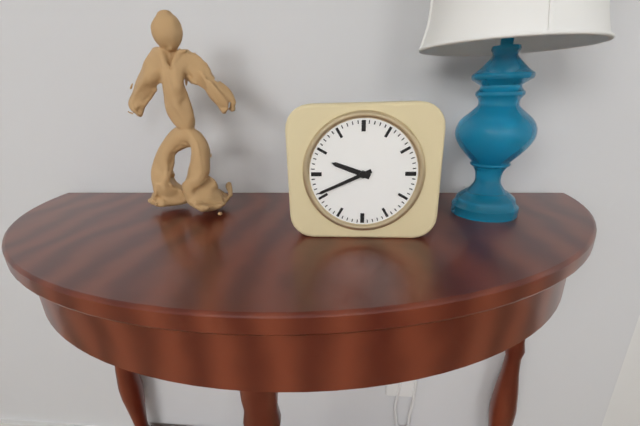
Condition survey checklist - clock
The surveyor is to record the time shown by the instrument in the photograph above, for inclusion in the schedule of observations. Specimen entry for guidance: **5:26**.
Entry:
**9:41**
